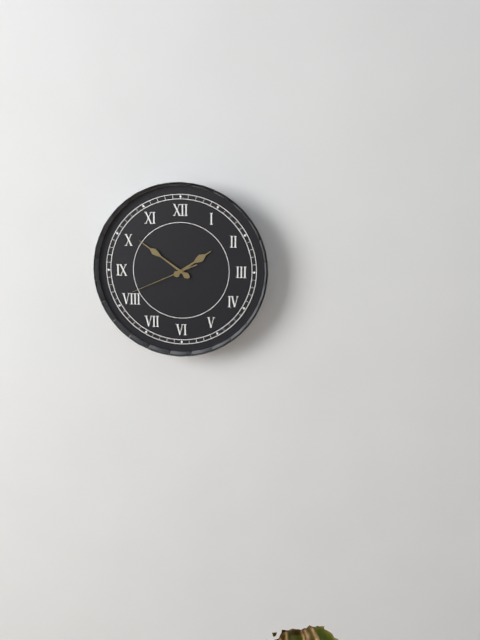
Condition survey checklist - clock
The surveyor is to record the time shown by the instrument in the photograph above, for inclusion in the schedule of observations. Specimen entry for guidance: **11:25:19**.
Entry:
**1:51:41**
